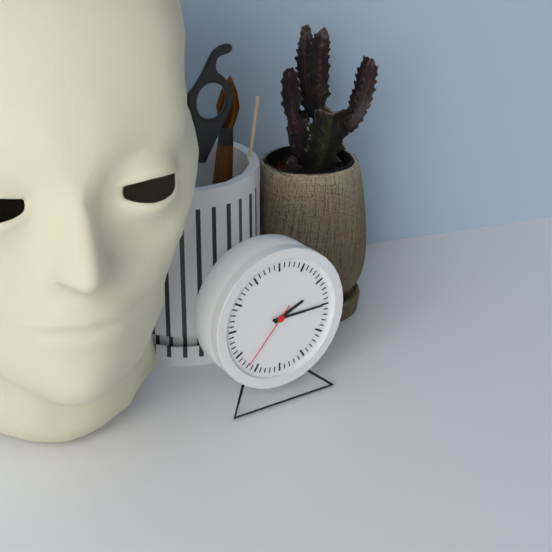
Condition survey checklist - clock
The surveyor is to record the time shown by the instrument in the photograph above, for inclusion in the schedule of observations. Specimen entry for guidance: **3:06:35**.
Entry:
**2:15:37**
